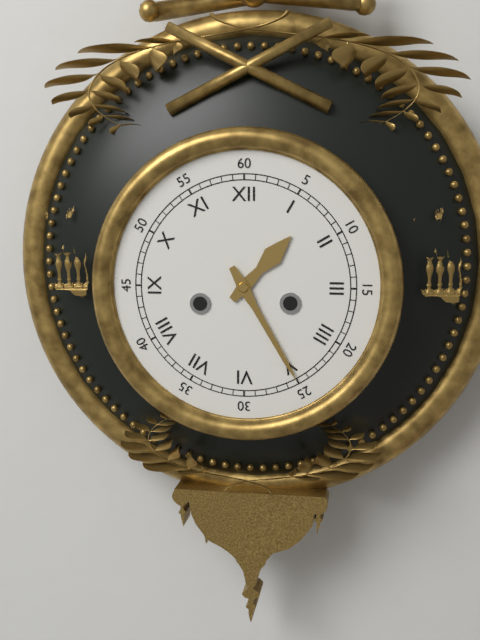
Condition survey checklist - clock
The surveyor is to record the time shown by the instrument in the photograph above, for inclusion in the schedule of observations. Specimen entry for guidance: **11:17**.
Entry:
**1:25**
